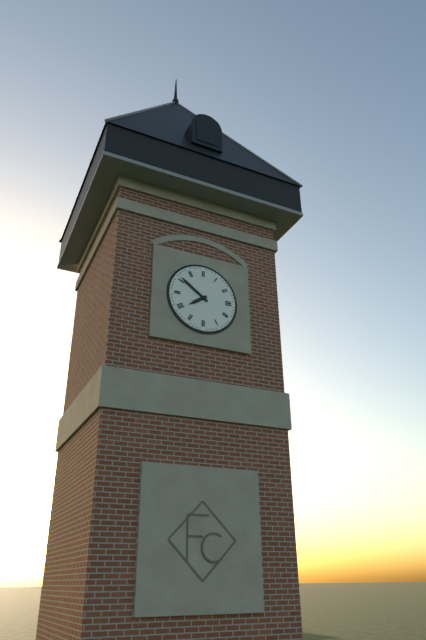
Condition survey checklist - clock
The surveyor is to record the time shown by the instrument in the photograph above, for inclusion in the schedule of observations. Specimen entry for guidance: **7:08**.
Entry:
**7:51**
